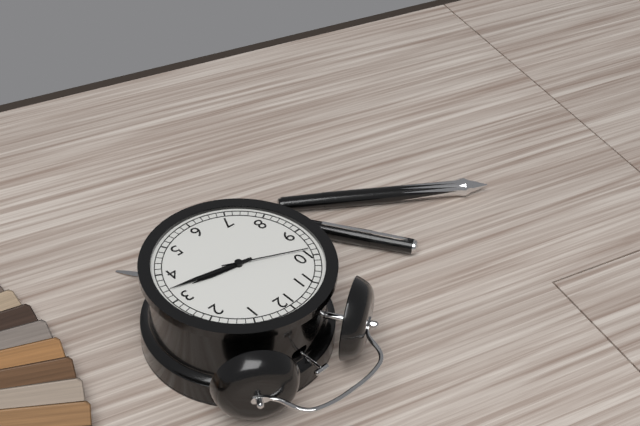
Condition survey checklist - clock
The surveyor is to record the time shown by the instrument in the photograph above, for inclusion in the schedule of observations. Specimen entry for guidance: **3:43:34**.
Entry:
**3:17:49**
